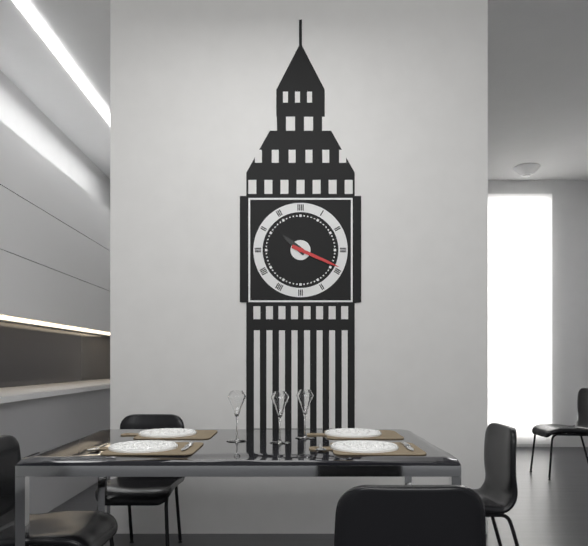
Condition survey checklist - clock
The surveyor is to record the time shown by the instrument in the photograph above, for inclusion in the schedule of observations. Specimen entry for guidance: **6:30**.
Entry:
**10:19**
